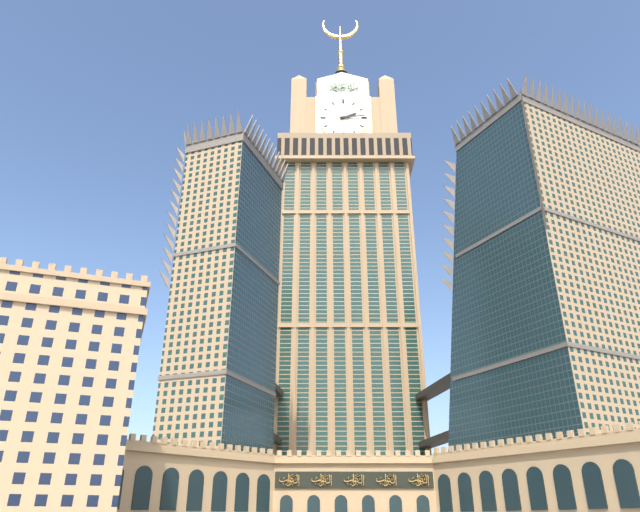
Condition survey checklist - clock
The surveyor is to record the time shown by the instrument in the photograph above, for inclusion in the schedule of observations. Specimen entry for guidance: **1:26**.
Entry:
**2:14**
